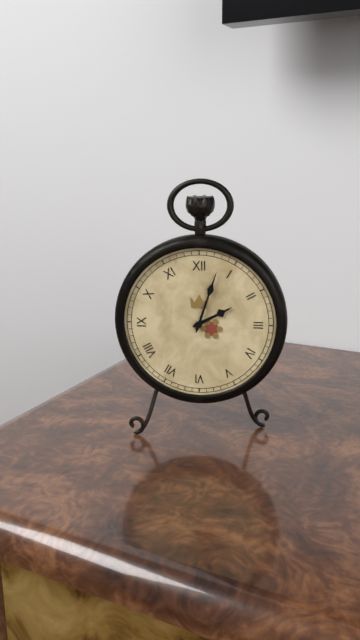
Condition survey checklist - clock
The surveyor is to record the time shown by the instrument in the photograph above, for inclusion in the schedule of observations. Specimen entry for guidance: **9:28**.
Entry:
**2:03**
